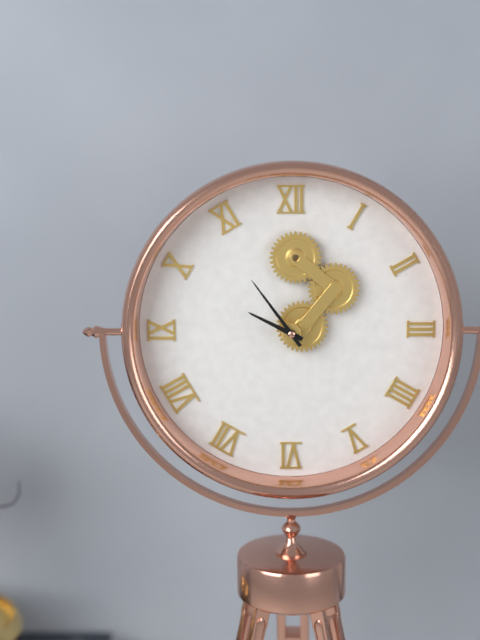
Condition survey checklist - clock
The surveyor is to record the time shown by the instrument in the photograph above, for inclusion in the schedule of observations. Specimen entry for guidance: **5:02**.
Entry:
**9:54**
